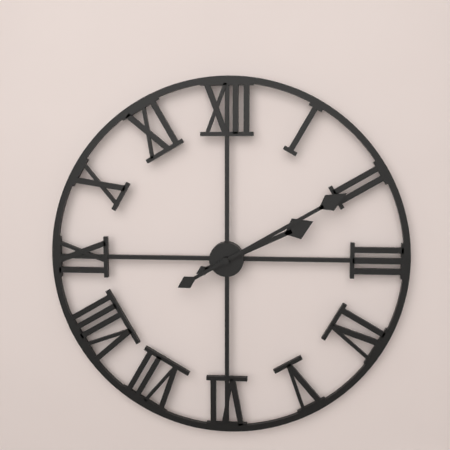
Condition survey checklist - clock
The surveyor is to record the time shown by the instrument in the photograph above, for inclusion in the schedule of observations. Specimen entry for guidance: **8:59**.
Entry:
**2:10**
